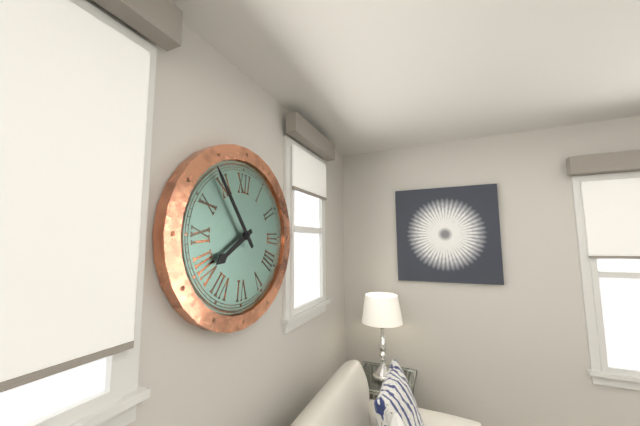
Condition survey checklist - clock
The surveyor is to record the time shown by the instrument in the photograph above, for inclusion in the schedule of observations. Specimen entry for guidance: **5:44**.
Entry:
**7:54**
